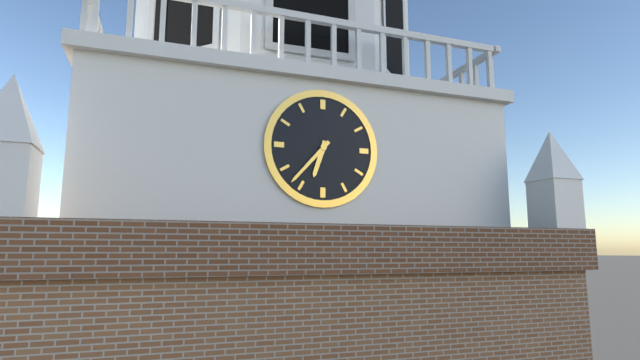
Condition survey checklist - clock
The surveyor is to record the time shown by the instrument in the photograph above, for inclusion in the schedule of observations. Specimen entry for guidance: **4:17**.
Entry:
**6:37**
